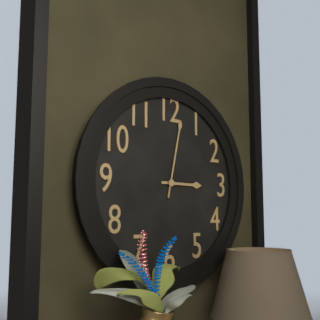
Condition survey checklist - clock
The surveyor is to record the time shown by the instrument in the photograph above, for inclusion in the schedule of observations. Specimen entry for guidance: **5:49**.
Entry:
**3:02**
